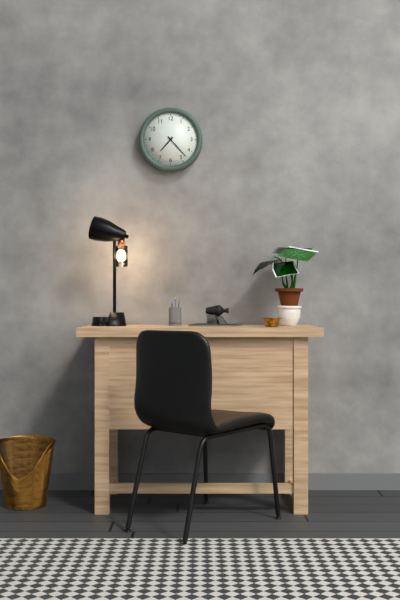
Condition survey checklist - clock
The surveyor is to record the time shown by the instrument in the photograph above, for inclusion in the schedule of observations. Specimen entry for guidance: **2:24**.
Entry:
**7:23**
